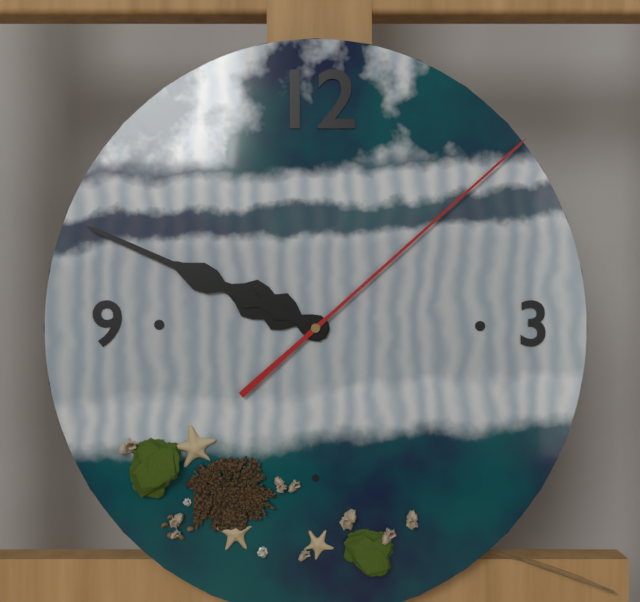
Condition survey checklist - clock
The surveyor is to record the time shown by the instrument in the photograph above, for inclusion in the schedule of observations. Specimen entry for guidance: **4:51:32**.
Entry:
**9:49:08**
